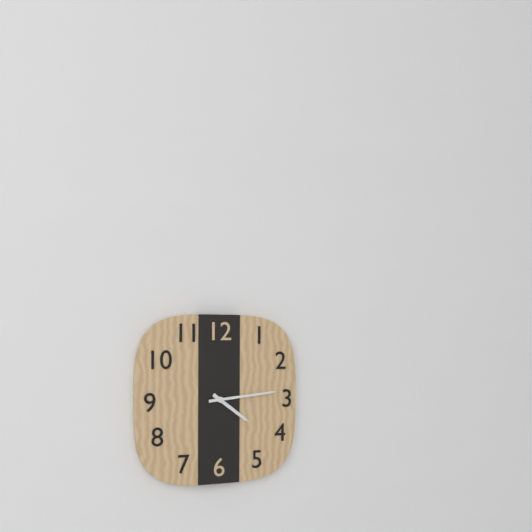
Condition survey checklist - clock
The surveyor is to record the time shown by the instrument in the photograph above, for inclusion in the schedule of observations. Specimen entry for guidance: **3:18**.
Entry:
**4:14**
